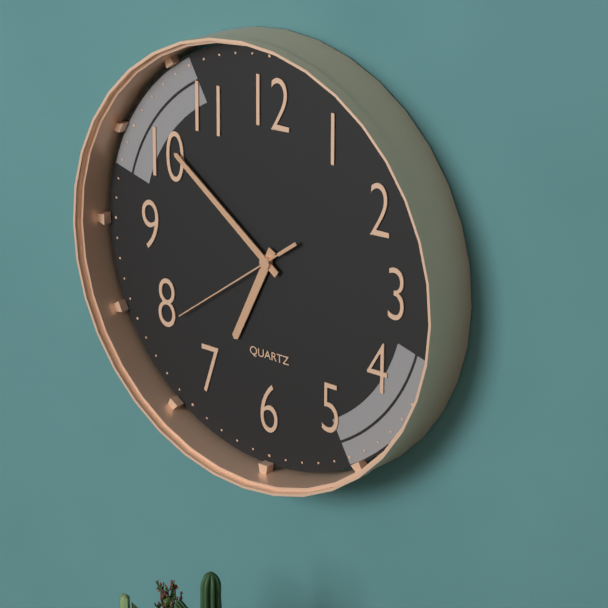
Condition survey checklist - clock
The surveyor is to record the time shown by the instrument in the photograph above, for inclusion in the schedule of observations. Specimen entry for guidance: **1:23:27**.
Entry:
**6:51:39**
